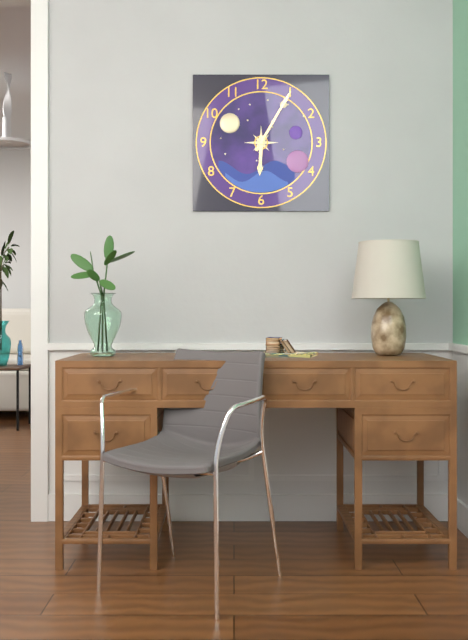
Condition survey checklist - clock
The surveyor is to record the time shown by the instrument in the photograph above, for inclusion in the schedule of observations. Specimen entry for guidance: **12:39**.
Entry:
**6:05**
